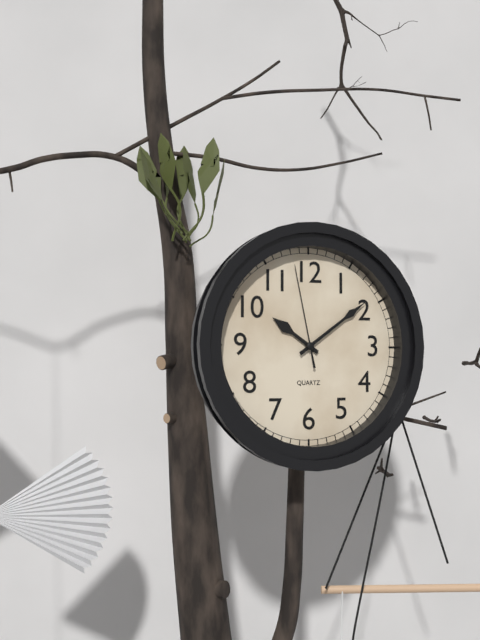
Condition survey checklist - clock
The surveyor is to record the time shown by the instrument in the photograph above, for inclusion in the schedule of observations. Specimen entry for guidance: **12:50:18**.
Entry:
**10:09:58**
